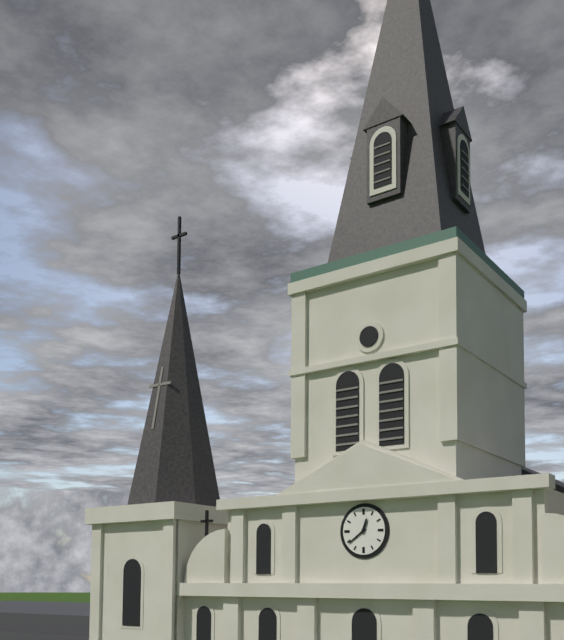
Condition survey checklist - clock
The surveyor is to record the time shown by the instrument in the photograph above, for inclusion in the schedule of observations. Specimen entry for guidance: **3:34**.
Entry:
**12:39**
